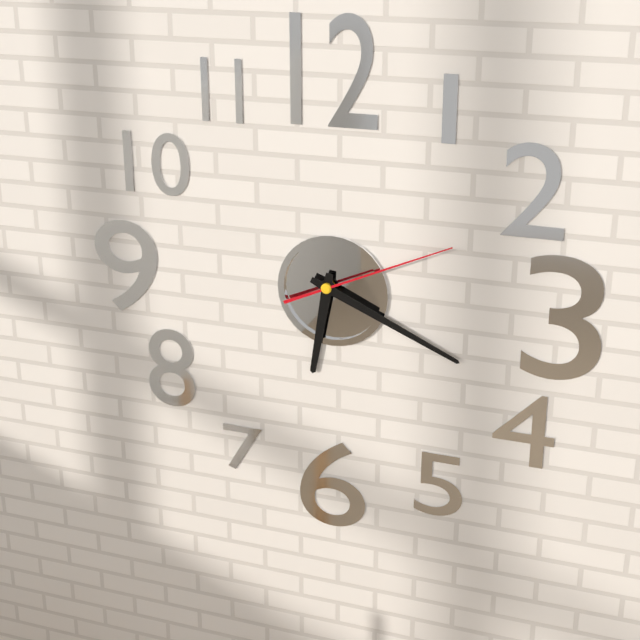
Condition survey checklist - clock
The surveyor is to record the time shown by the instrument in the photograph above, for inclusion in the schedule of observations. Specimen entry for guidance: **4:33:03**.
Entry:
**6:19:11**
